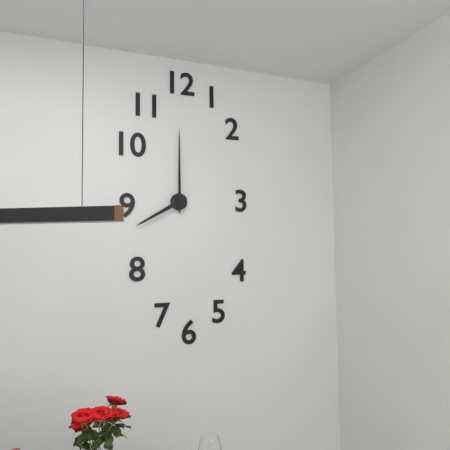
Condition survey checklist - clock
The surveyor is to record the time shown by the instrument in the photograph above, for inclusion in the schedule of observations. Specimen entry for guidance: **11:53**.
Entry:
**8:00**
